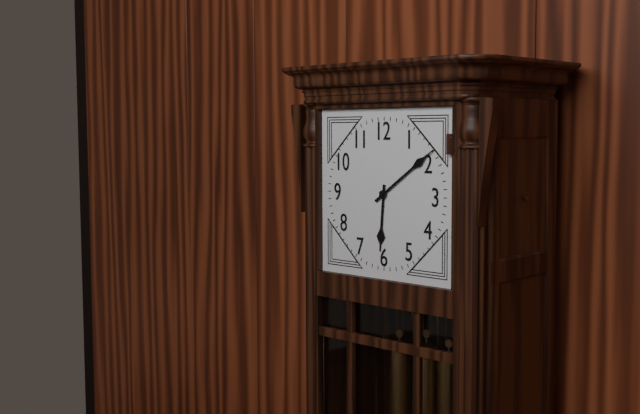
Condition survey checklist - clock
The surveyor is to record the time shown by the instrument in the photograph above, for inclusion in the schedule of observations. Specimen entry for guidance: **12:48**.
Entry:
**6:09**
